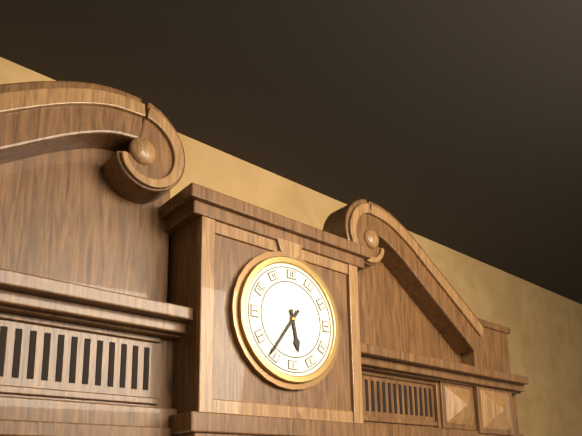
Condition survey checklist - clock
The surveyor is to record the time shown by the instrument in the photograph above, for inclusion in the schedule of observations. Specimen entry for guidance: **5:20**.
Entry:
**5:36**
